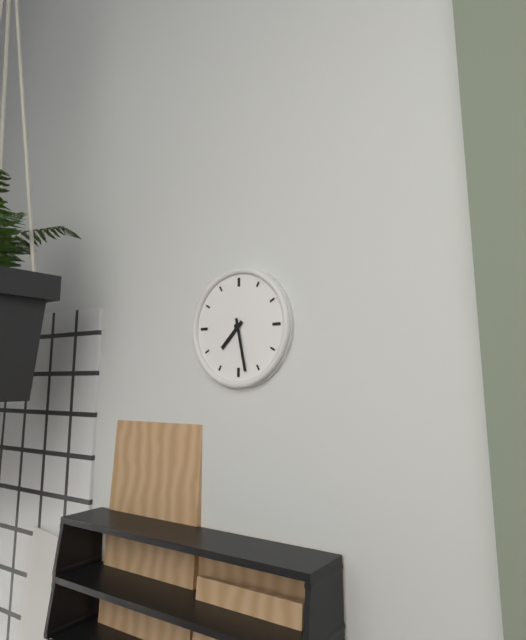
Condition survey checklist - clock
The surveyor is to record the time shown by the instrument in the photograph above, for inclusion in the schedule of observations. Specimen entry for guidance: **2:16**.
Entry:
**7:28**
